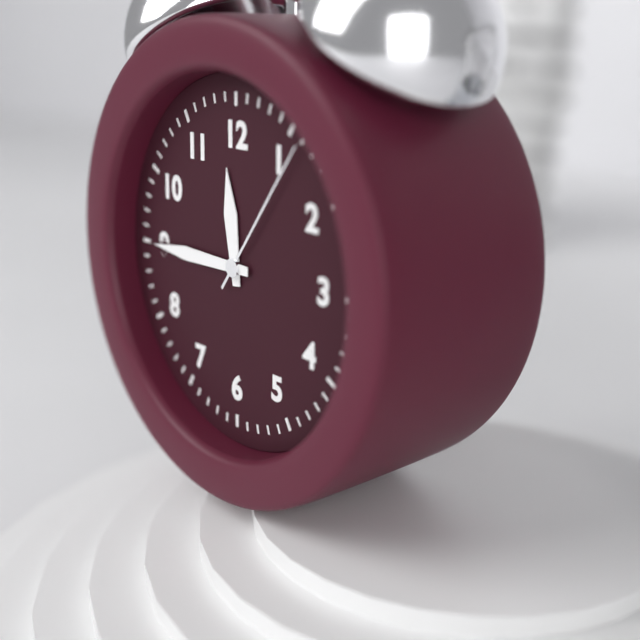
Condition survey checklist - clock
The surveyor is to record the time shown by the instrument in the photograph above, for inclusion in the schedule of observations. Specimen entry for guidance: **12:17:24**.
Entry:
**11:45:06**
